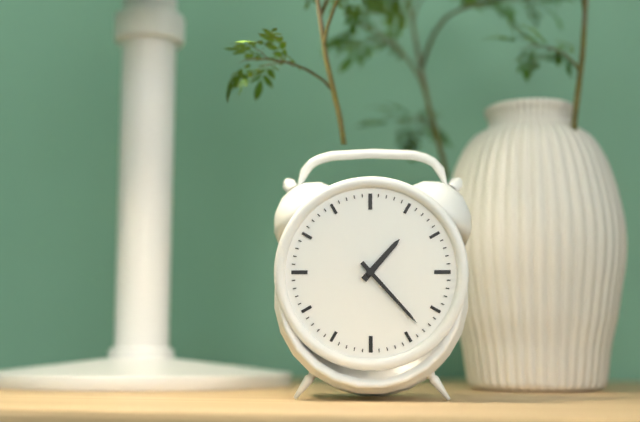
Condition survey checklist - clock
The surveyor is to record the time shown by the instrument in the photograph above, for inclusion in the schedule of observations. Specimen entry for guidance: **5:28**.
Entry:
**1:23**
